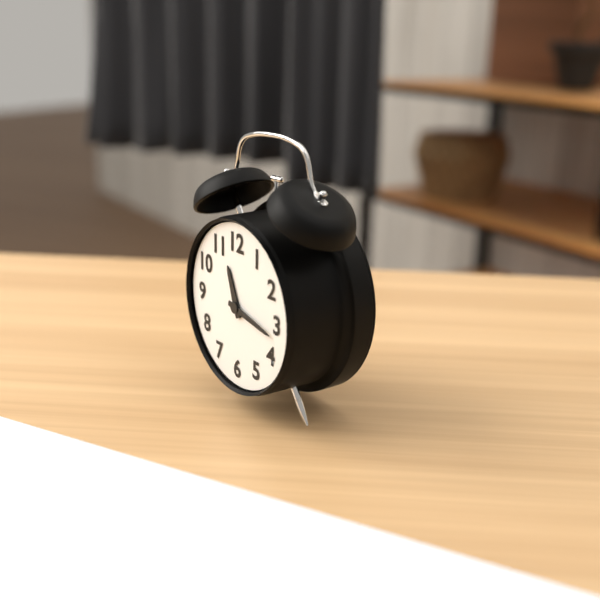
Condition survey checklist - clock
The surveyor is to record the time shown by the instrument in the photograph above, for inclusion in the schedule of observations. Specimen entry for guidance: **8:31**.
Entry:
**11:17**
